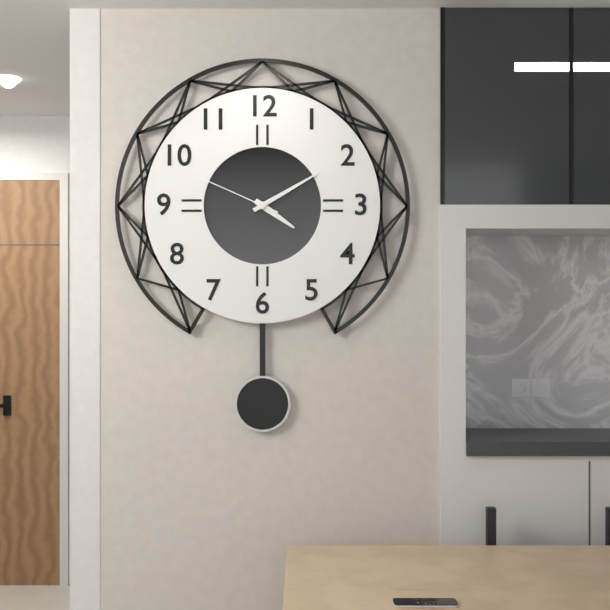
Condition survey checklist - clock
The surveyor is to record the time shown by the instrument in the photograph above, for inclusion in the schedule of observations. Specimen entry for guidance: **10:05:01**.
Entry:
**4:10:49**
